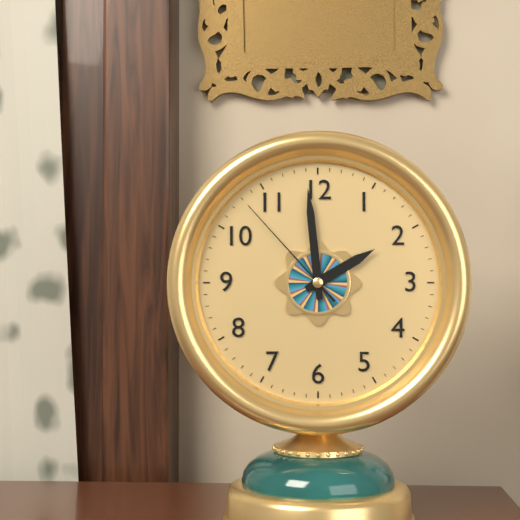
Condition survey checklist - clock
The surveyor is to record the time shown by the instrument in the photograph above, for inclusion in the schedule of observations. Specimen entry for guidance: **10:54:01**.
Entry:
**1:59:53**
